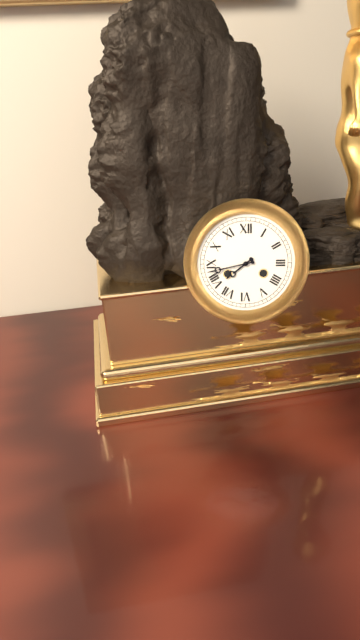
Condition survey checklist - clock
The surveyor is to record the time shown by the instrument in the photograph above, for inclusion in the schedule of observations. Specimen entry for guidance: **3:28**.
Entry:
**7:43**
